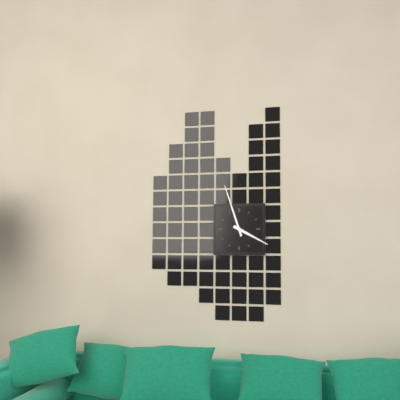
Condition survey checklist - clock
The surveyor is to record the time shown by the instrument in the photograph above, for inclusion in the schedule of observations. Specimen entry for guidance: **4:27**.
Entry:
**3:57**
